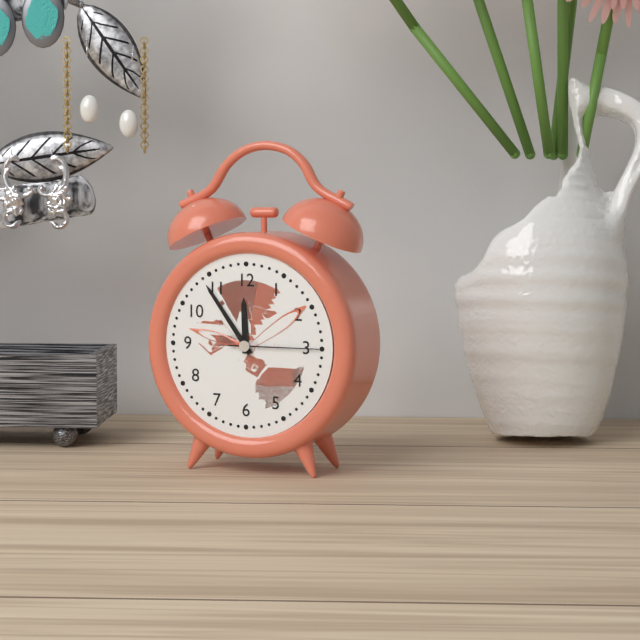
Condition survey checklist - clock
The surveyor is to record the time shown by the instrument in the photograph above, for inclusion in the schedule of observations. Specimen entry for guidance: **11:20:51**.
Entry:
**11:54:15**
